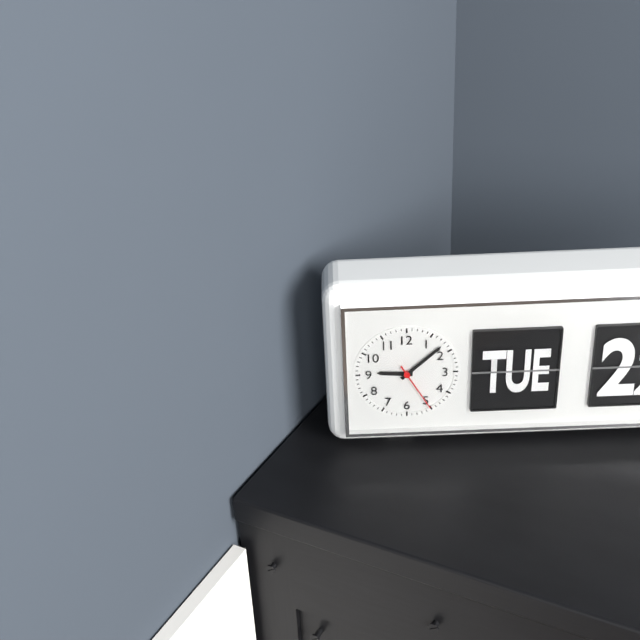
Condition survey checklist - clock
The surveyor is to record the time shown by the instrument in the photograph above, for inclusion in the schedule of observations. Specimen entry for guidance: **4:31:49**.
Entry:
**9:08:25**
